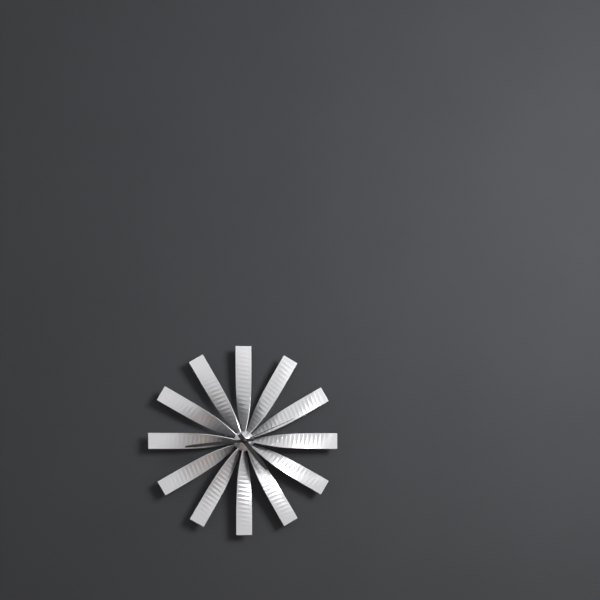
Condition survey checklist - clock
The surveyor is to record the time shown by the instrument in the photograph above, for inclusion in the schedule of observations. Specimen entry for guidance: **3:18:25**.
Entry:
**4:44:11**
